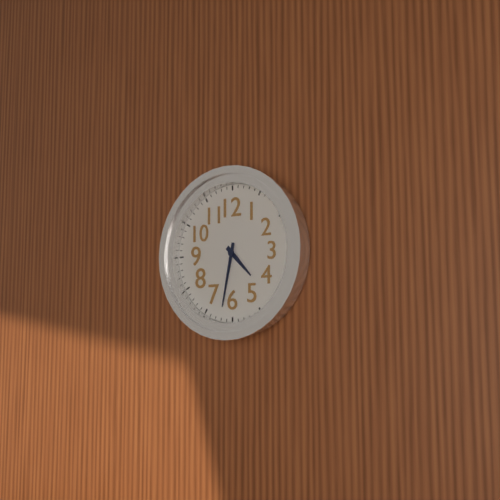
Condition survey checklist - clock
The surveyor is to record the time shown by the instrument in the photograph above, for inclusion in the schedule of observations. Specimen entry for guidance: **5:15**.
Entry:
**4:32**
